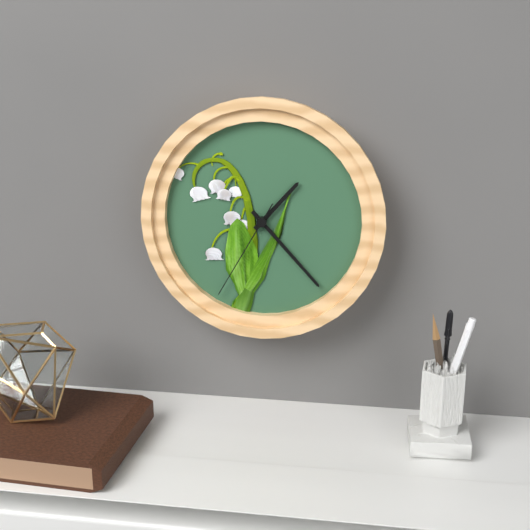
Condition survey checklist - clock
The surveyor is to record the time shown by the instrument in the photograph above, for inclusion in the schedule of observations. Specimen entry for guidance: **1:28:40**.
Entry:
**1:23:35**
